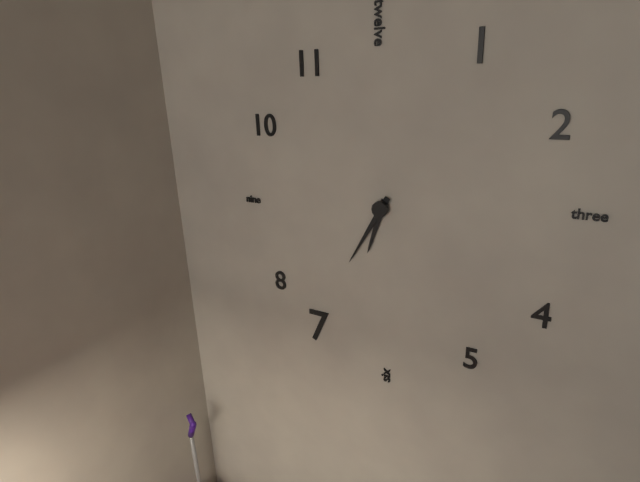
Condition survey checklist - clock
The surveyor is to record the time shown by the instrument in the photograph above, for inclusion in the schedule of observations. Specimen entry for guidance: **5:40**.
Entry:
**6:35**
